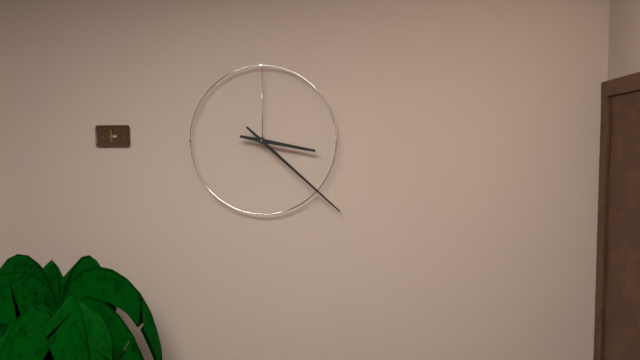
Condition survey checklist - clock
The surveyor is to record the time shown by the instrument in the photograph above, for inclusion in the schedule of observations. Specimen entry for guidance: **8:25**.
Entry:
**3:22**
